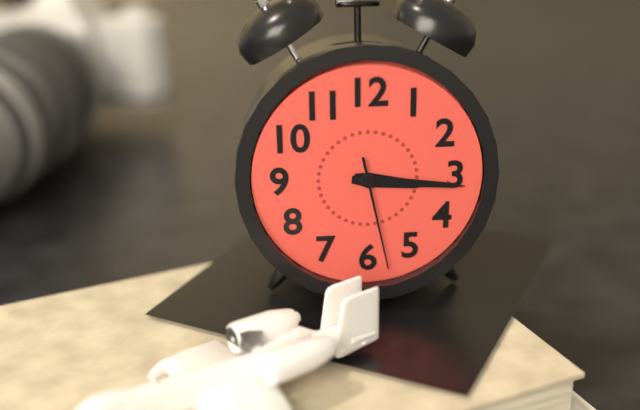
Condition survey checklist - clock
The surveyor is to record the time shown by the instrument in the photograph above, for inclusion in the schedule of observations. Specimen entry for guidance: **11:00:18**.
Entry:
**3:16:28**
